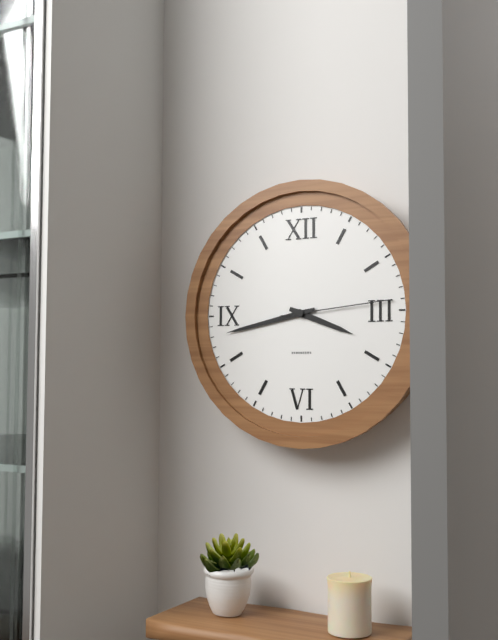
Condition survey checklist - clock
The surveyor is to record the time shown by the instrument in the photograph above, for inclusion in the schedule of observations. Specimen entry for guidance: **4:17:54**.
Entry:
**3:43:14**
